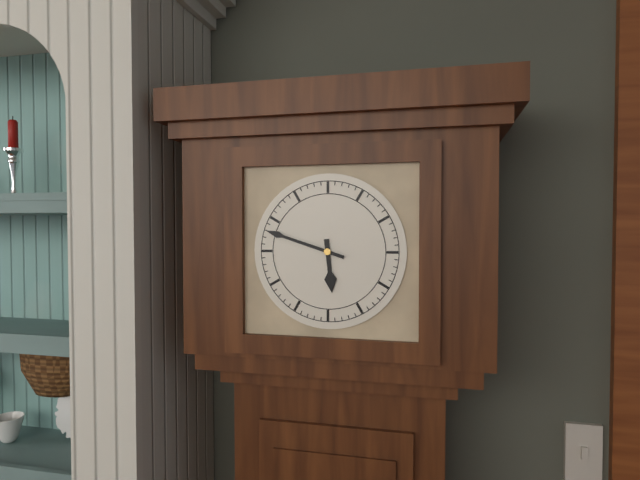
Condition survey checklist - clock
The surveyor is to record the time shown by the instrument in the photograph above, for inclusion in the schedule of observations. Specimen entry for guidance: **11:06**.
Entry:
**5:48**
